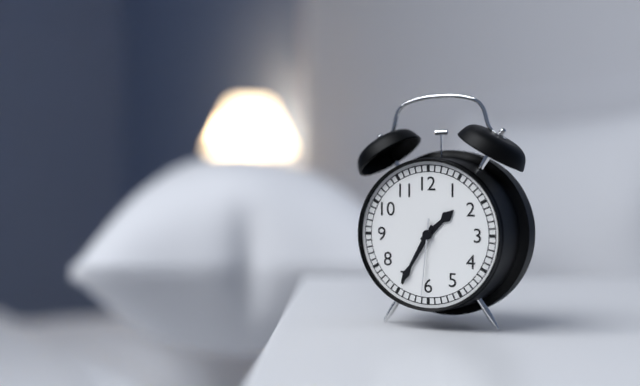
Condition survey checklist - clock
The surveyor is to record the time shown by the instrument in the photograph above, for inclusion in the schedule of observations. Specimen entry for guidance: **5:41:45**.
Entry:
**1:35:31**
